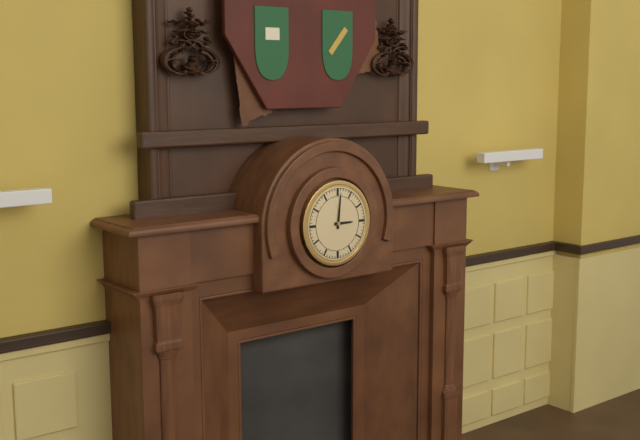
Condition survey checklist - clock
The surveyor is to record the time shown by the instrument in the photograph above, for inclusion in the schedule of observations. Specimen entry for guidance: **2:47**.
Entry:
**3:01**
